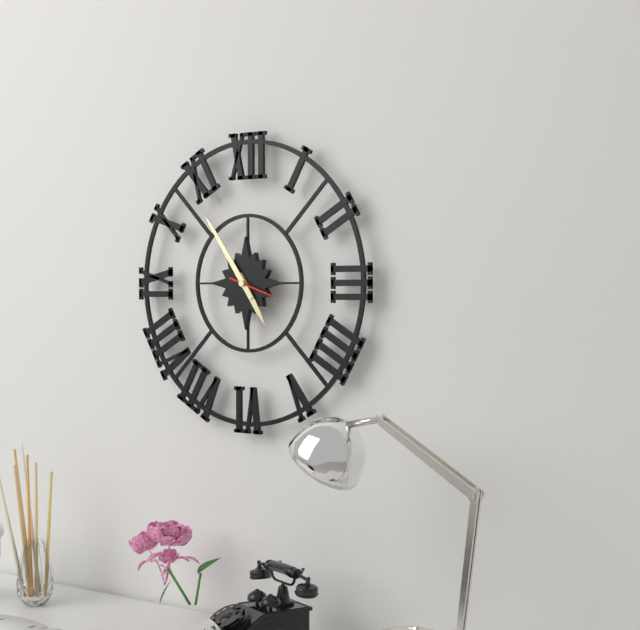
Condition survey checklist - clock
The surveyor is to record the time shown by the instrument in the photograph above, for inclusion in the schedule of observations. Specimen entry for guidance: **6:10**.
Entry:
**4:54**
